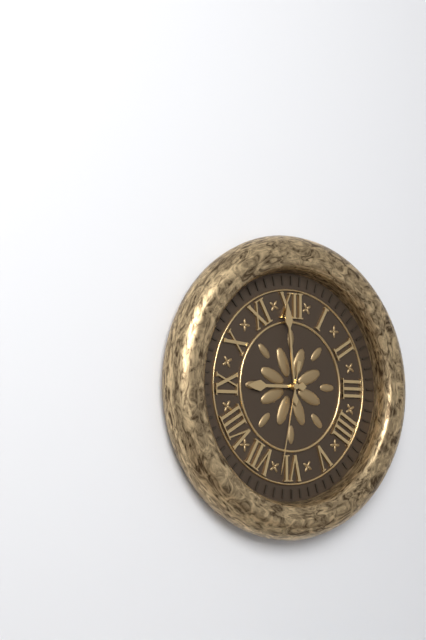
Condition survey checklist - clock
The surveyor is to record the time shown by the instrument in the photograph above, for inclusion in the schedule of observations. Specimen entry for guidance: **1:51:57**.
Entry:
**8:59:32**
